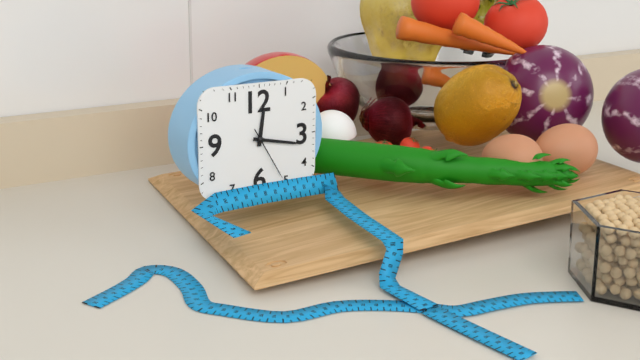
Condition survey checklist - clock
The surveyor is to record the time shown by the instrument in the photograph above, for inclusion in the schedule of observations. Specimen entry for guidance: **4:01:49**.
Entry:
**12:17:25**
